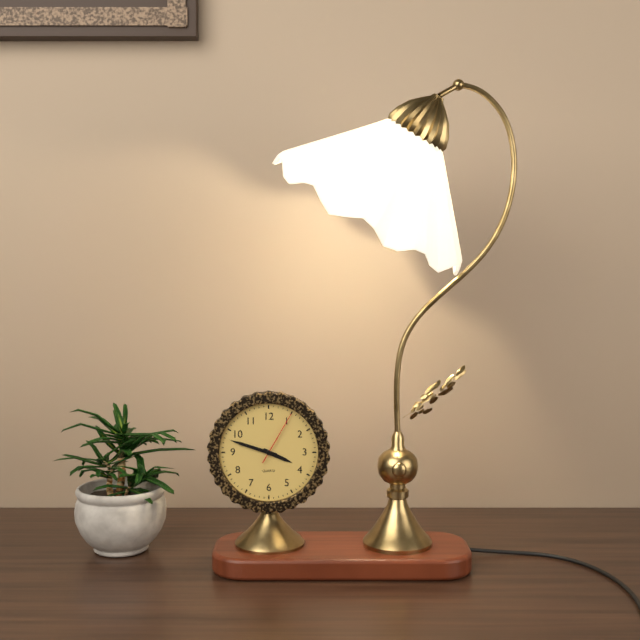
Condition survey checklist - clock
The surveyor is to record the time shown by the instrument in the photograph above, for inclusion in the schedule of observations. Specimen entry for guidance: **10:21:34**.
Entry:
**3:48:05**
